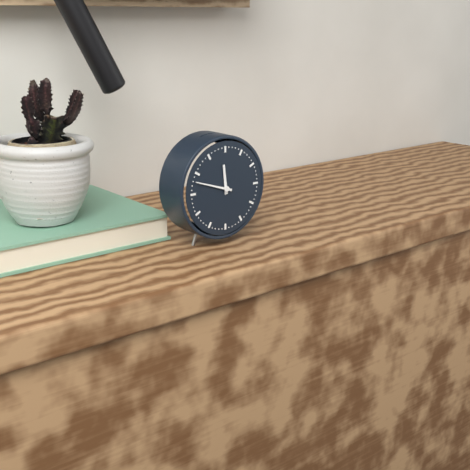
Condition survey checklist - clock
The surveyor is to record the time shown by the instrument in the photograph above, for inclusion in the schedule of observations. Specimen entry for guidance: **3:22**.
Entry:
**11:48**
